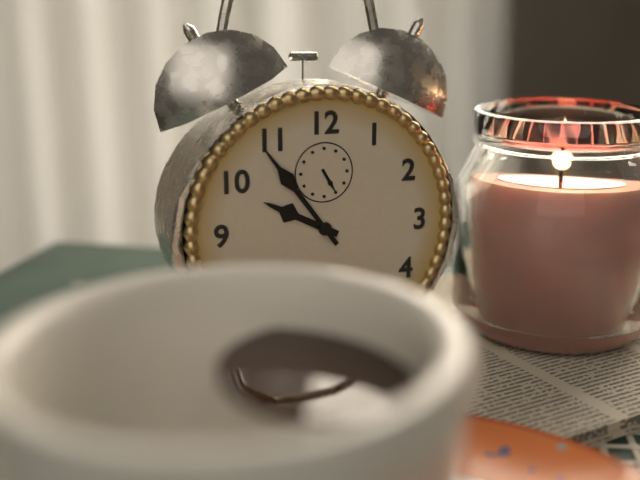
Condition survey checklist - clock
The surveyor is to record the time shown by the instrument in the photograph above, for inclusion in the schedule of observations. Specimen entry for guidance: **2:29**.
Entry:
**9:54**
